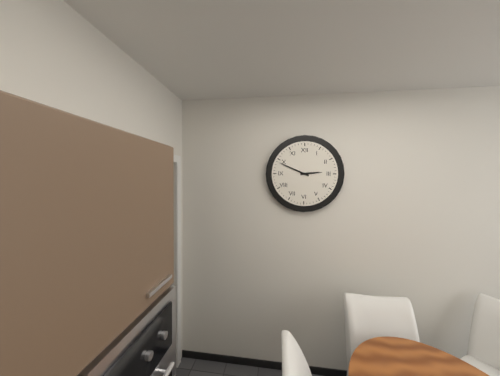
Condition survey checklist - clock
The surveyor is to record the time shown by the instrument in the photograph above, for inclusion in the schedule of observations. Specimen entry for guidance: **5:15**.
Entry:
**2:49**
